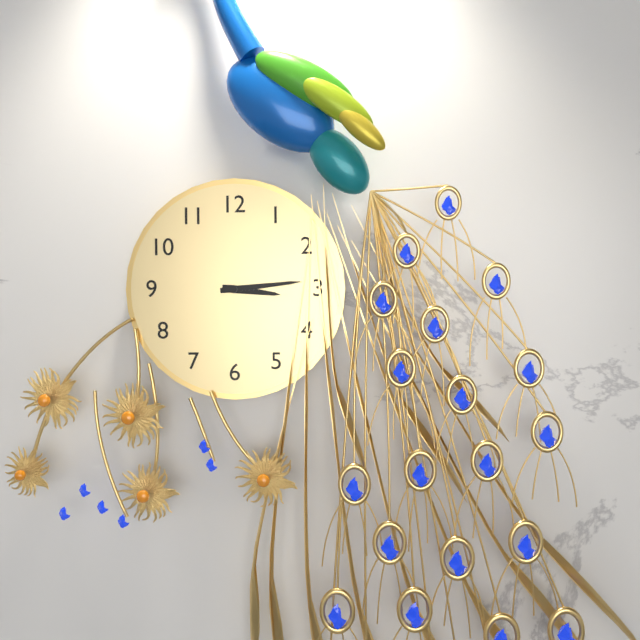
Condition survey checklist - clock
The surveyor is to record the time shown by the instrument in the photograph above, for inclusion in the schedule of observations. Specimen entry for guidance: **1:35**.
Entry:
**3:14**
